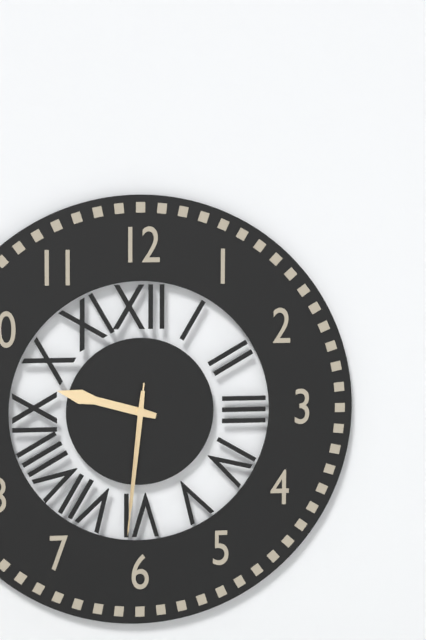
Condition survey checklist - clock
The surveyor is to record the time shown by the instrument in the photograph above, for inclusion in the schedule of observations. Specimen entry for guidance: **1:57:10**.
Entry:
**9:31:31**
